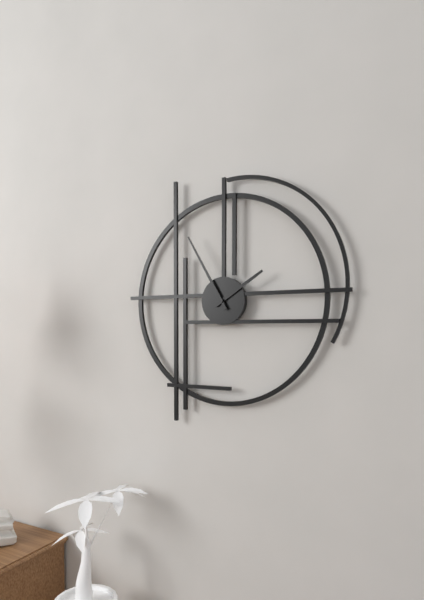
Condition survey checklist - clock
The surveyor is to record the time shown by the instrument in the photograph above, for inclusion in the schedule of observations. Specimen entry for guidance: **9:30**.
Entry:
**1:55**
